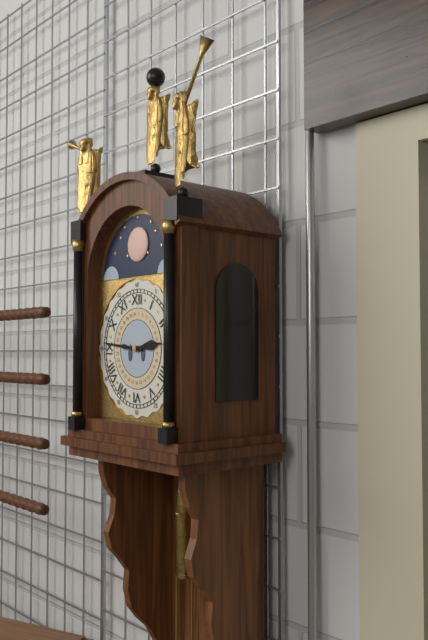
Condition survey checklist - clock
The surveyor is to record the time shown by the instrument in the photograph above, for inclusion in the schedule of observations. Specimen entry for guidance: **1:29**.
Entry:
**2:46**
